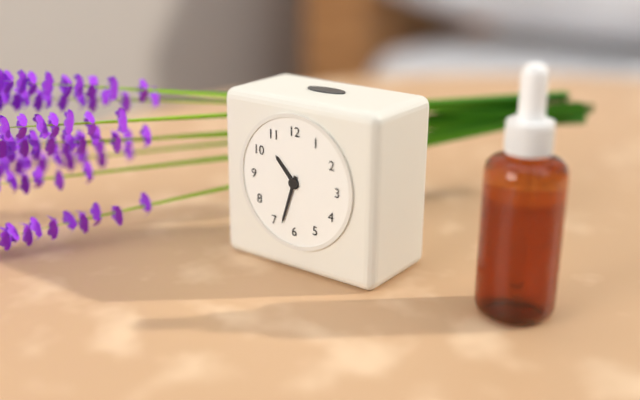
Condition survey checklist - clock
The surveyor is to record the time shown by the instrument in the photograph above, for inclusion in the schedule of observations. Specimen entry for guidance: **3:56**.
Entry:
**10:33**
